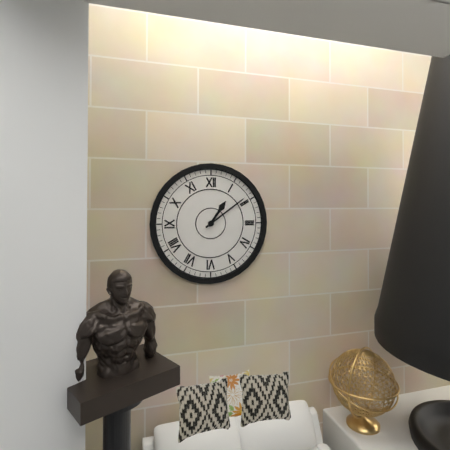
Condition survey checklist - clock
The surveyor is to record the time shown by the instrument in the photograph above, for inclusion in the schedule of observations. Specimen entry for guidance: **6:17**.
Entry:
**1:09**
